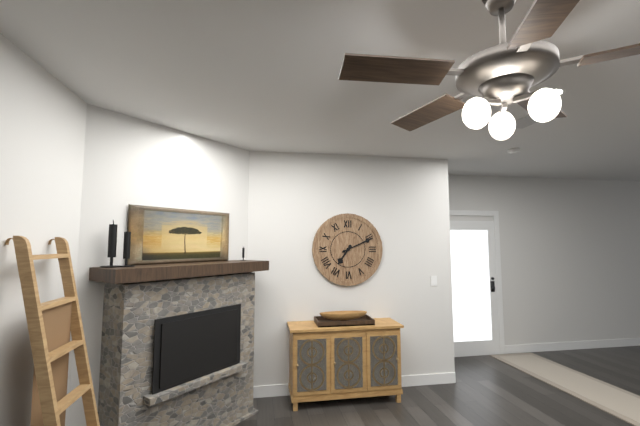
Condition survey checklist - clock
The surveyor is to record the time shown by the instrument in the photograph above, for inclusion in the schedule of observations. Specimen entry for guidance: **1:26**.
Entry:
**7:11**
